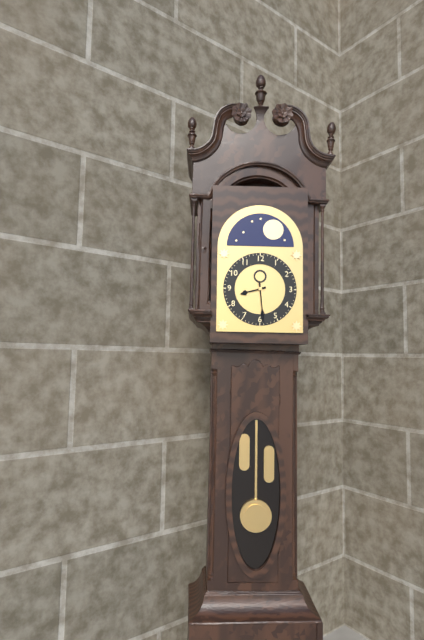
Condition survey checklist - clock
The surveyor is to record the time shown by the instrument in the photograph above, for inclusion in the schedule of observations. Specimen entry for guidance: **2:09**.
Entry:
**8:29**
